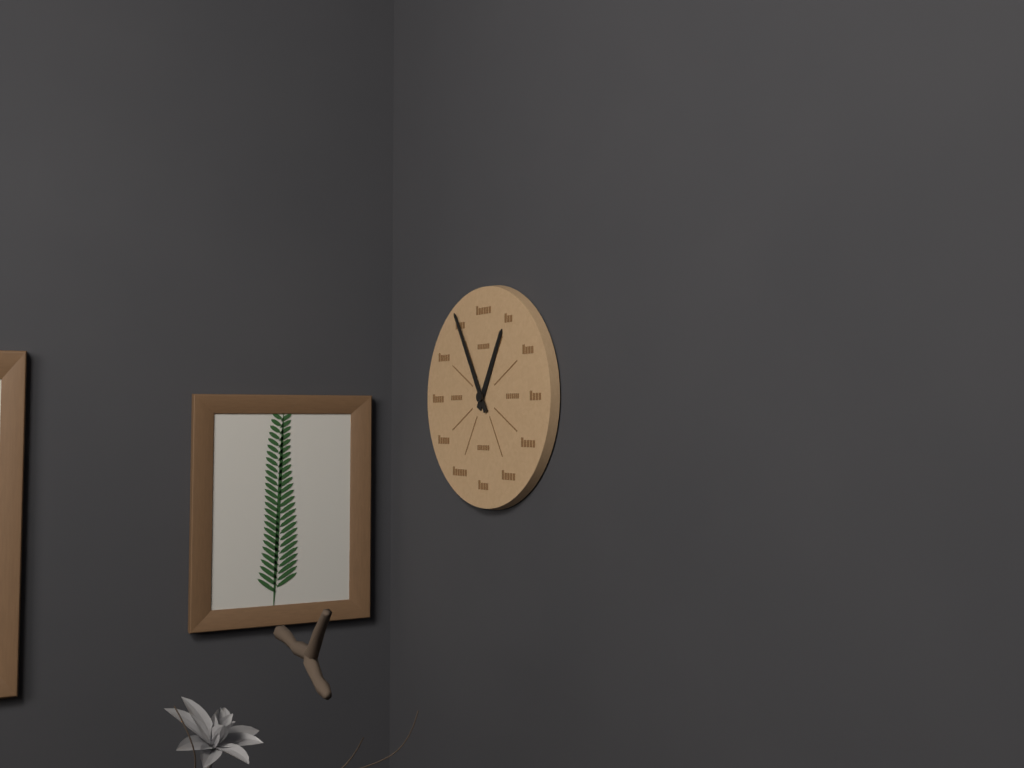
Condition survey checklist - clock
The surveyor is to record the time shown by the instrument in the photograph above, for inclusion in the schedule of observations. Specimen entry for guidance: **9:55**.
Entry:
**12:55**
